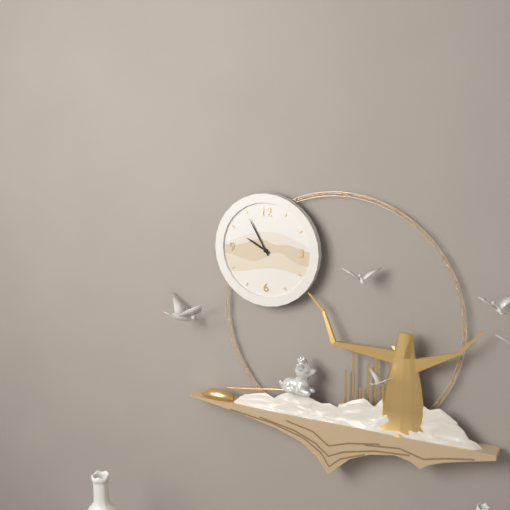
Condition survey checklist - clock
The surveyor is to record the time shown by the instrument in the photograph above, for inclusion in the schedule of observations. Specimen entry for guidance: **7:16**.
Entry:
**9:55**
